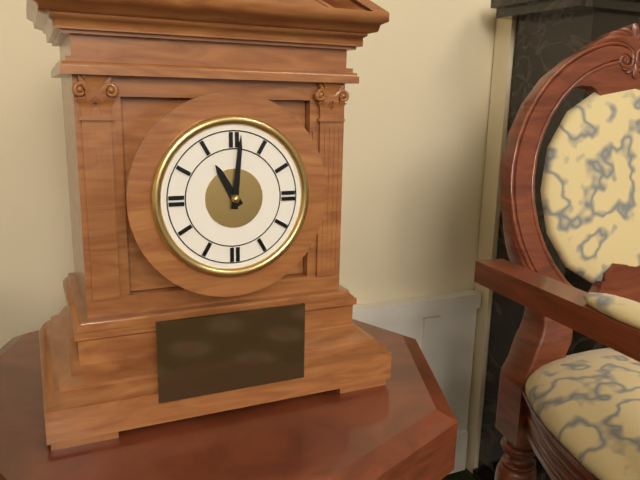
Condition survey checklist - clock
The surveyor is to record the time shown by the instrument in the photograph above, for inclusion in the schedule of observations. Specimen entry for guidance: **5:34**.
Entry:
**11:01**
